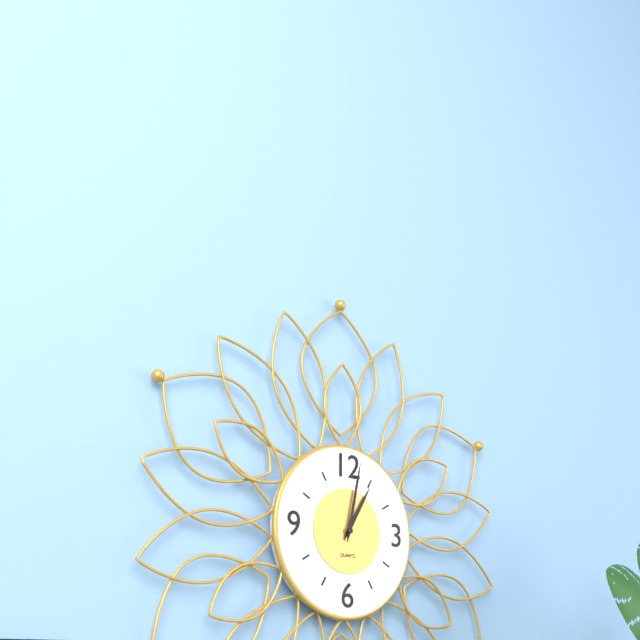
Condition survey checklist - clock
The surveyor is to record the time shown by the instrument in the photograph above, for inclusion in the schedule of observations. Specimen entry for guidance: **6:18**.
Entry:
**1:02**
